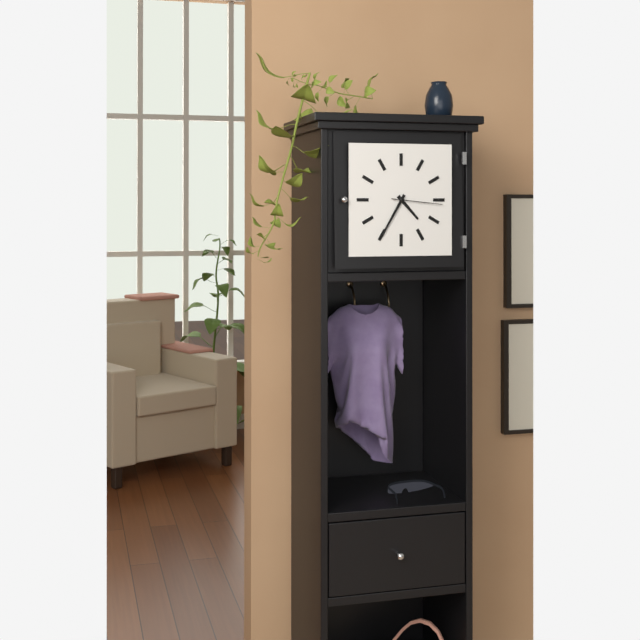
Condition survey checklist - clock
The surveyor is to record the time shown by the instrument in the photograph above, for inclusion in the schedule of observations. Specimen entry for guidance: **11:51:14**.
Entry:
**4:35:16**
